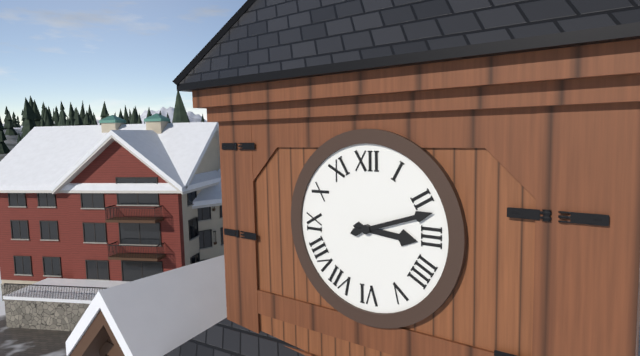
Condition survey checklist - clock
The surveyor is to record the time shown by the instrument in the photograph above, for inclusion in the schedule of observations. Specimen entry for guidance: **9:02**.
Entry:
**3:12**
